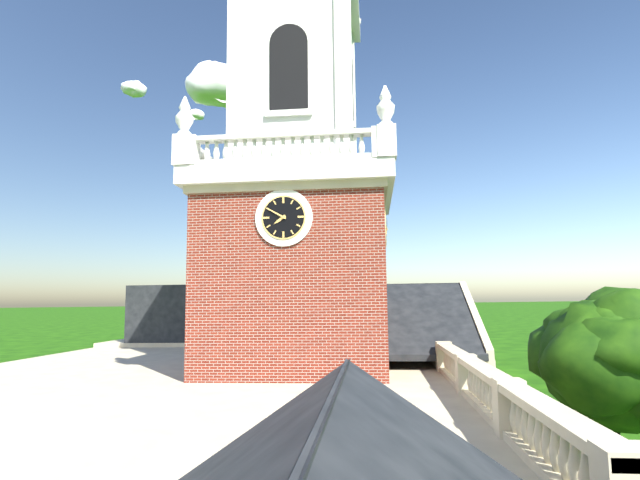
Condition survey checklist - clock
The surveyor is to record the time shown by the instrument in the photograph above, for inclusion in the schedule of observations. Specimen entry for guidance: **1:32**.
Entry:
**7:50**
